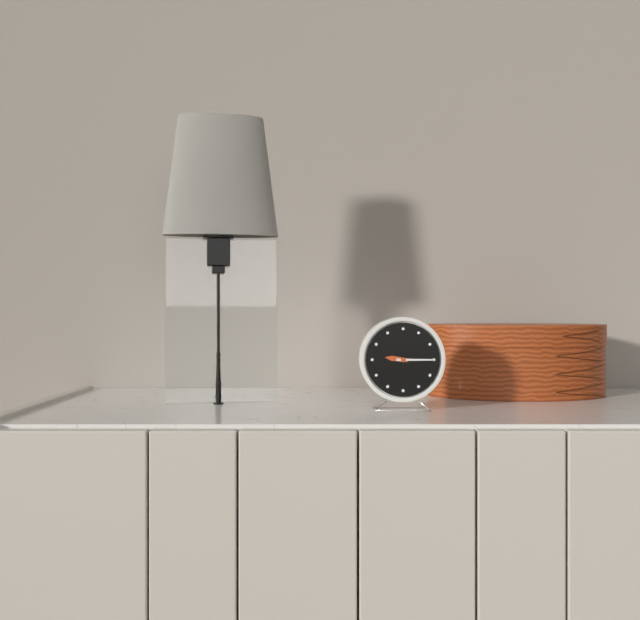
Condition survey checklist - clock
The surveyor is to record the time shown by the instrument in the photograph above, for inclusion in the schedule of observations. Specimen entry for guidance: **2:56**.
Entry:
**9:15**
